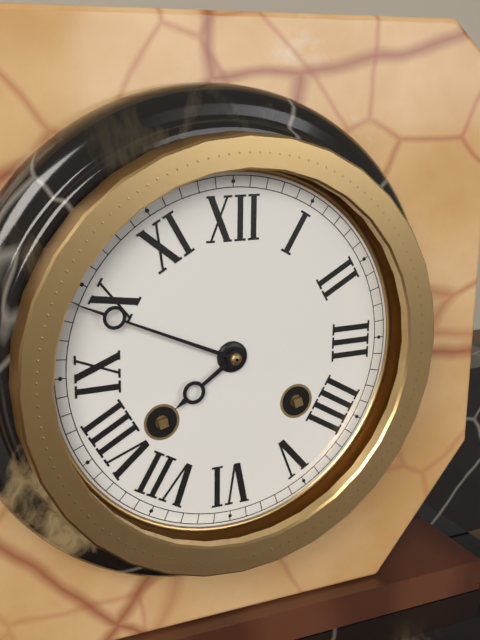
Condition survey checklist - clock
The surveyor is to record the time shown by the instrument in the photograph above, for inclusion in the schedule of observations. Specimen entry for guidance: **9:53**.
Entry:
**7:49**
